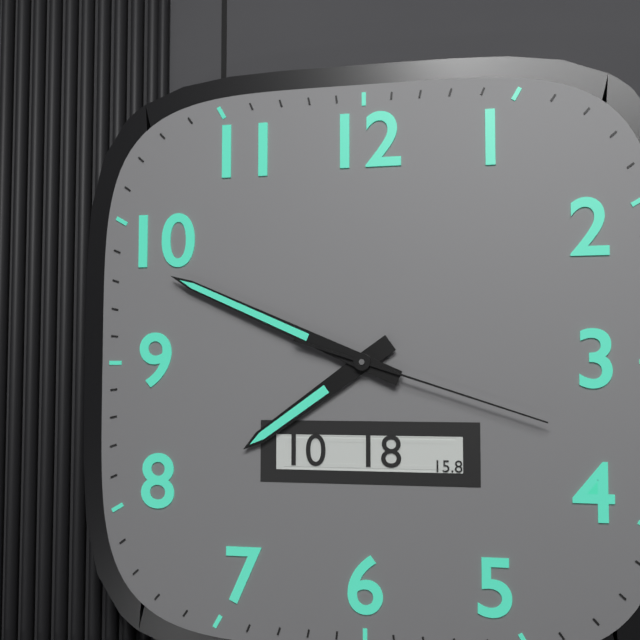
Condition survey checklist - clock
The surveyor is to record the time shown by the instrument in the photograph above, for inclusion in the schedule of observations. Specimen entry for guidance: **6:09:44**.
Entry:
**7:49:18**
